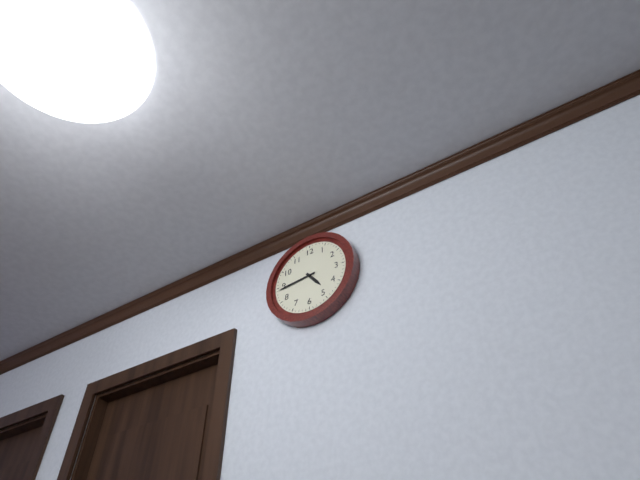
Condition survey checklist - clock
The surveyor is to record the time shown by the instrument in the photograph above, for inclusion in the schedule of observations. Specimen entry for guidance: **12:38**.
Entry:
**4:44**
